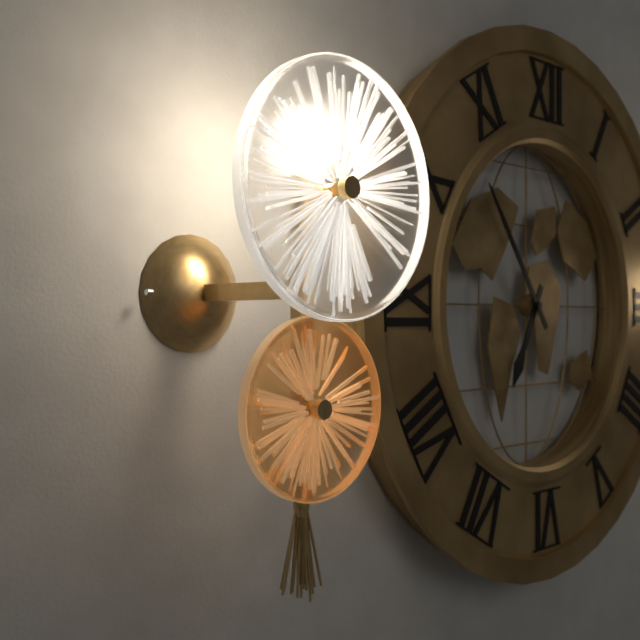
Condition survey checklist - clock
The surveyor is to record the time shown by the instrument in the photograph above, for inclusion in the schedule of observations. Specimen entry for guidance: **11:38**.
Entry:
**6:54**
